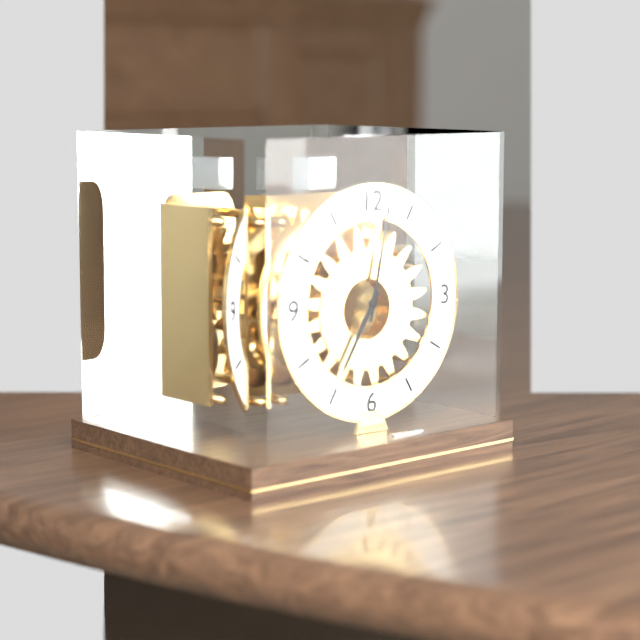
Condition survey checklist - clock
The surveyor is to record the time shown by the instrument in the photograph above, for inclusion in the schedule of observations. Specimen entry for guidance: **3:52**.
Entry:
**7:02**
